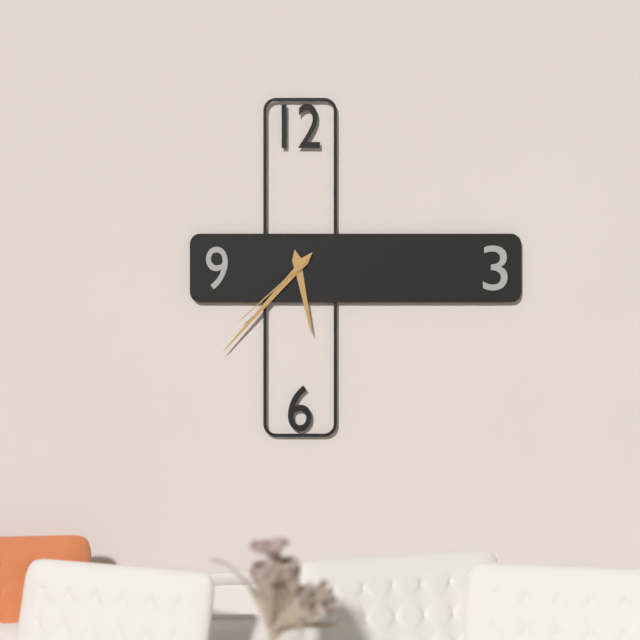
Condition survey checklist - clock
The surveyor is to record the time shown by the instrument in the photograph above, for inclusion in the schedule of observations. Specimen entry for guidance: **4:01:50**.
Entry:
**5:37:38**
